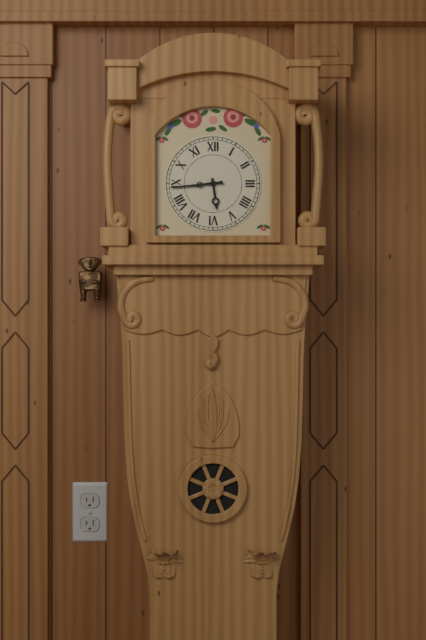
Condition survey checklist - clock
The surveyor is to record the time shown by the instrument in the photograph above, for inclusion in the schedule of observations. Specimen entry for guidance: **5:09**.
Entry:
**5:44**
